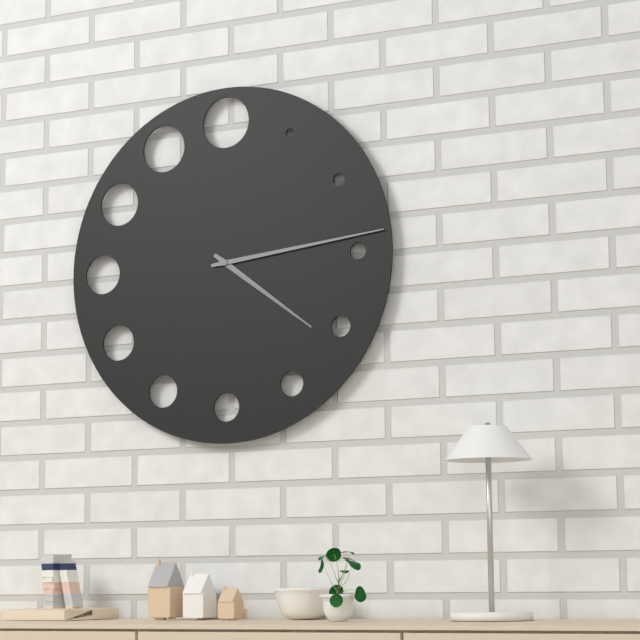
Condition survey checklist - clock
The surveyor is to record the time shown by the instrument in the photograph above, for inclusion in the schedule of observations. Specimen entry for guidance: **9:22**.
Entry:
**4:14**
